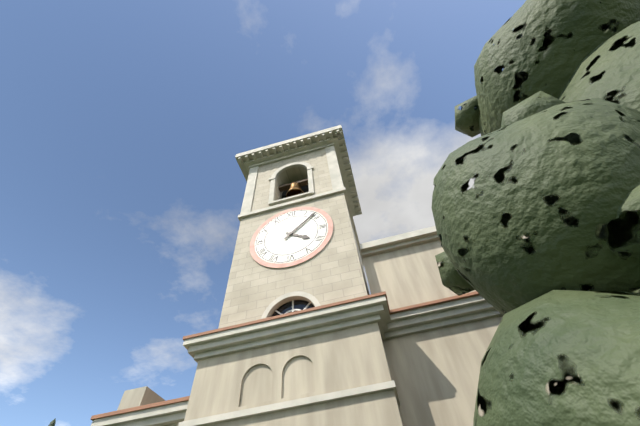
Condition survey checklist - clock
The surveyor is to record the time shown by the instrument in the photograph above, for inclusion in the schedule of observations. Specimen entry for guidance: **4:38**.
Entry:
**4:08**
